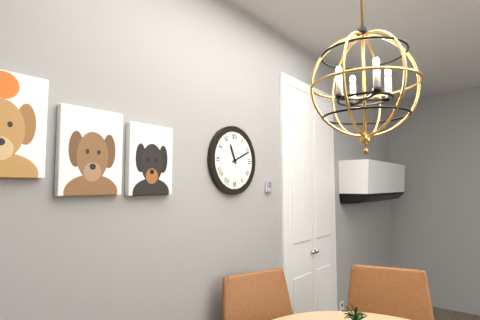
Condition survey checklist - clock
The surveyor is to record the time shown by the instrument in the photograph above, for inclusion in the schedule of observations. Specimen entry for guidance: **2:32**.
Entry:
**11:11**
